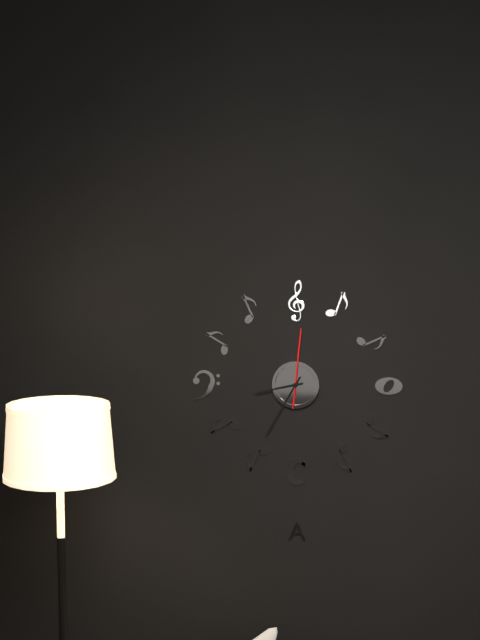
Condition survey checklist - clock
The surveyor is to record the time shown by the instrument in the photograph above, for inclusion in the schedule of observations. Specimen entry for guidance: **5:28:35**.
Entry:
**8:35:01**
